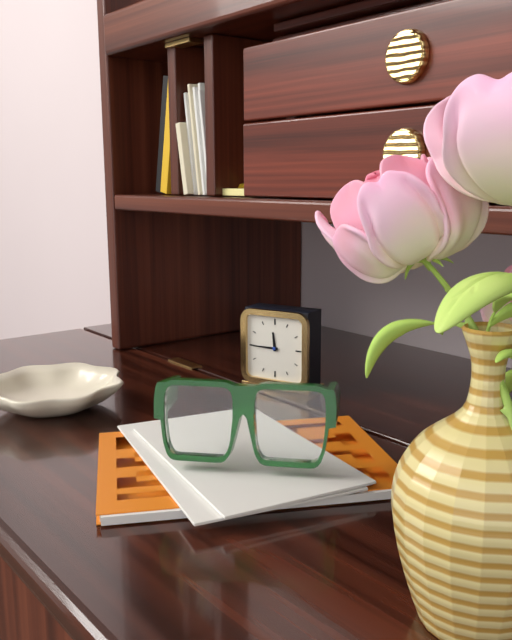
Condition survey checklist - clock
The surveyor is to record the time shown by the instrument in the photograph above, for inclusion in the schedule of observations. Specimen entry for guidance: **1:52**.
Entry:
**11:45**
